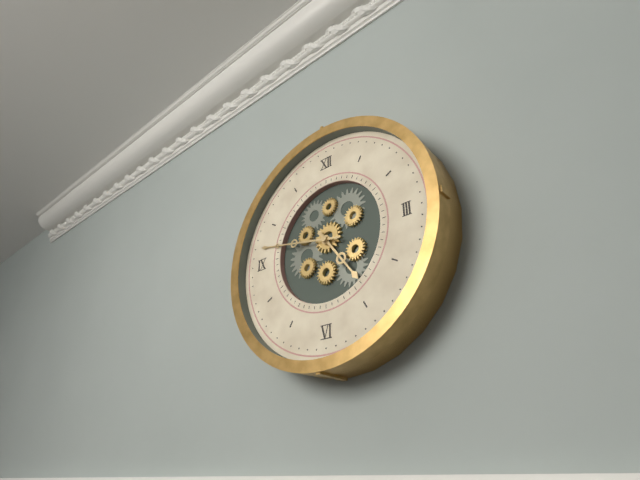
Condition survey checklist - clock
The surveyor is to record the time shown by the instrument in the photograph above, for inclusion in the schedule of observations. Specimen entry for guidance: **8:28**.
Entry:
**4:47**
